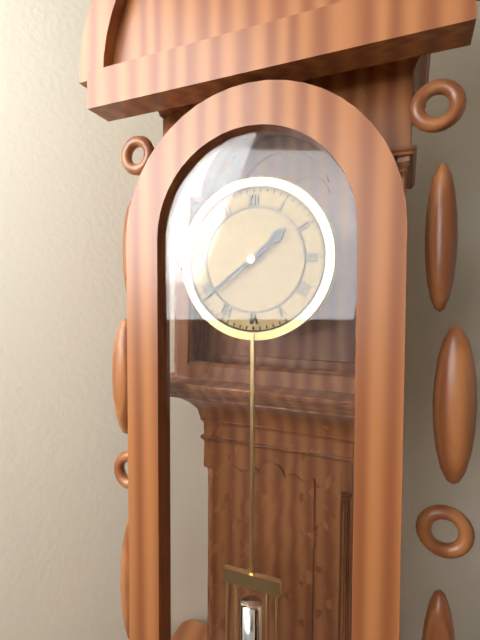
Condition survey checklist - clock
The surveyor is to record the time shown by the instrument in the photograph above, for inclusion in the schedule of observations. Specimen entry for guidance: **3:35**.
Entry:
**1:39**
